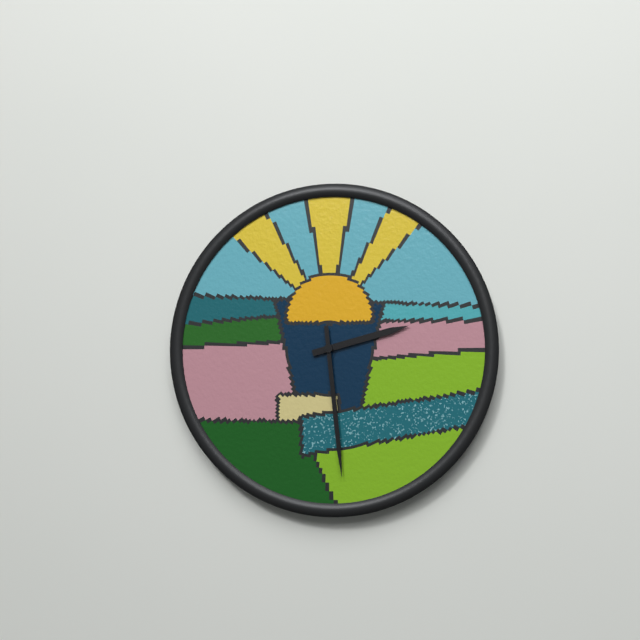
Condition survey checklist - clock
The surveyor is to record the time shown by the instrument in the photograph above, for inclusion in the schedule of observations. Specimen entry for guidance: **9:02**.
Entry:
**2:29**
